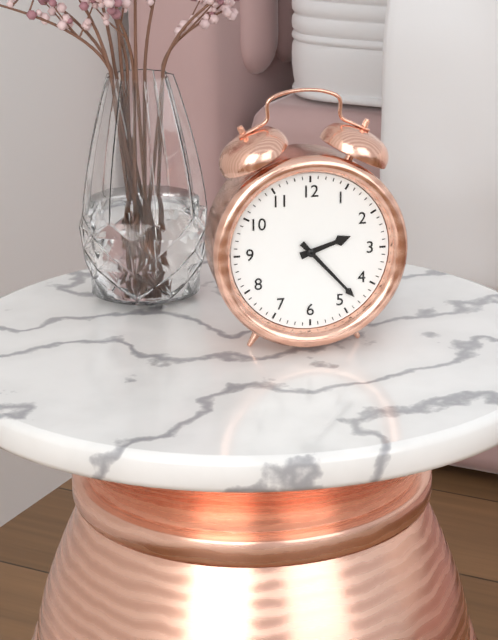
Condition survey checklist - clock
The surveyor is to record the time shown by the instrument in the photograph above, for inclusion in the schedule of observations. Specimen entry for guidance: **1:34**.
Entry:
**2:23**
